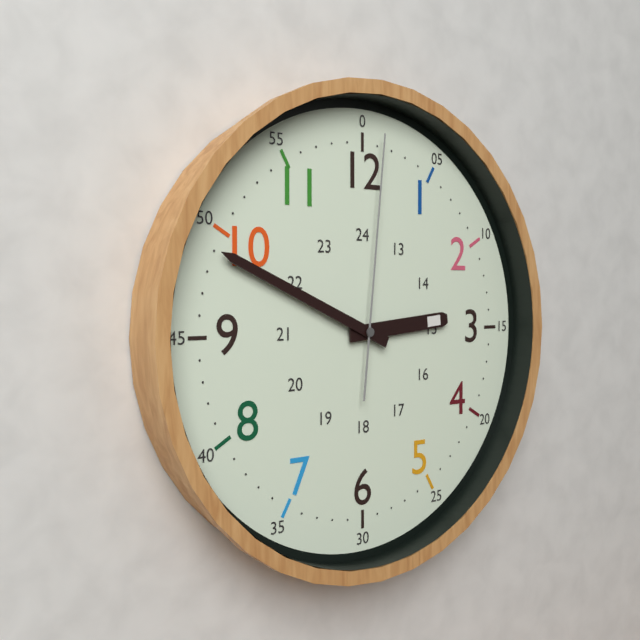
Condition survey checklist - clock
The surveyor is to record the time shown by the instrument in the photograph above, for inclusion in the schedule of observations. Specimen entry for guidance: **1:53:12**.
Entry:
**2:49:01**
